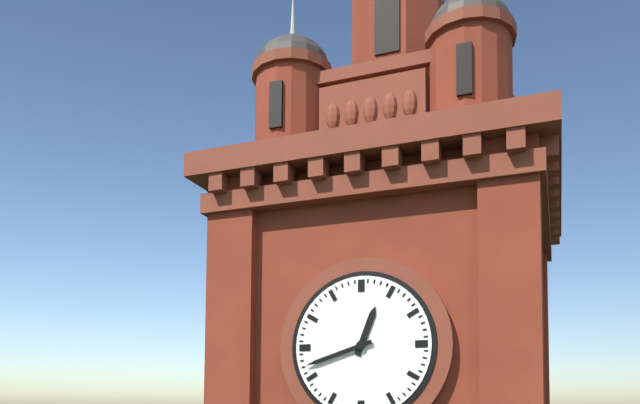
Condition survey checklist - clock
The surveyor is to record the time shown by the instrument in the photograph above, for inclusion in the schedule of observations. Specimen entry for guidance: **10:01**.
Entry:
**12:42**
